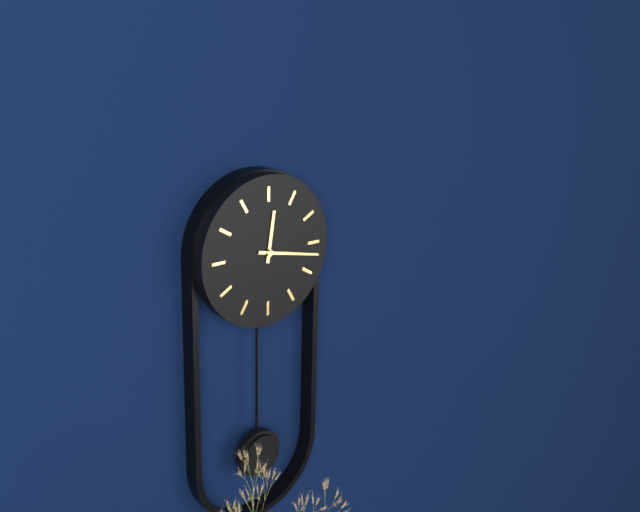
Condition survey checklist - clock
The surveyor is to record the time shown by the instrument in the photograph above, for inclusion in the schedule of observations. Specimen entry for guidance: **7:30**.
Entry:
**12:17**
